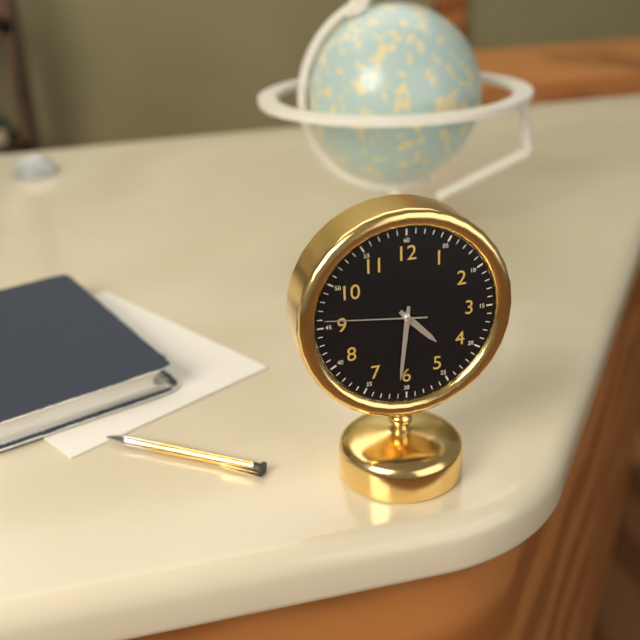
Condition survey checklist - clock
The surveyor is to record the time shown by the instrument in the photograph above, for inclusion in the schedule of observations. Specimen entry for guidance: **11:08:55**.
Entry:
**4:31:46**
